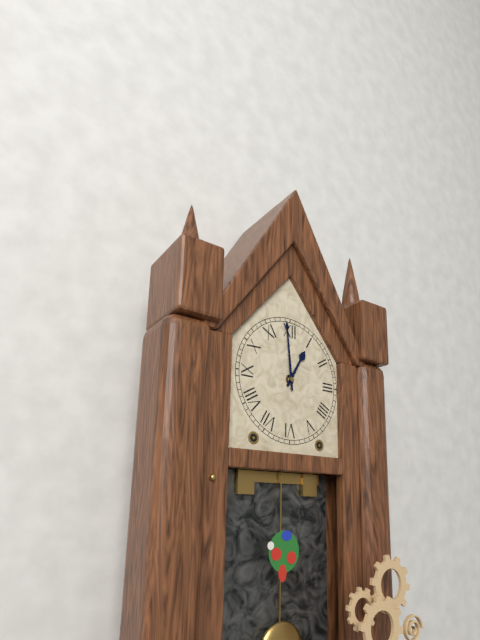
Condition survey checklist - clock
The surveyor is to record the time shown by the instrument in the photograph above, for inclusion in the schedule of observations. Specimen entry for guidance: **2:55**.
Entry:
**12:59**
